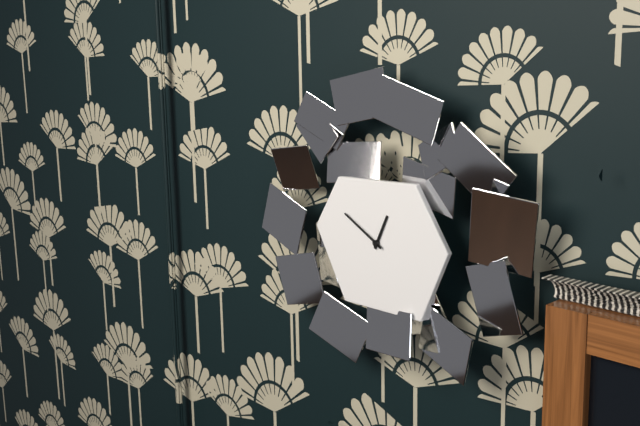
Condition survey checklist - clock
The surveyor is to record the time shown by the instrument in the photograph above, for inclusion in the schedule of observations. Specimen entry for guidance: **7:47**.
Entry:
**12:50**
